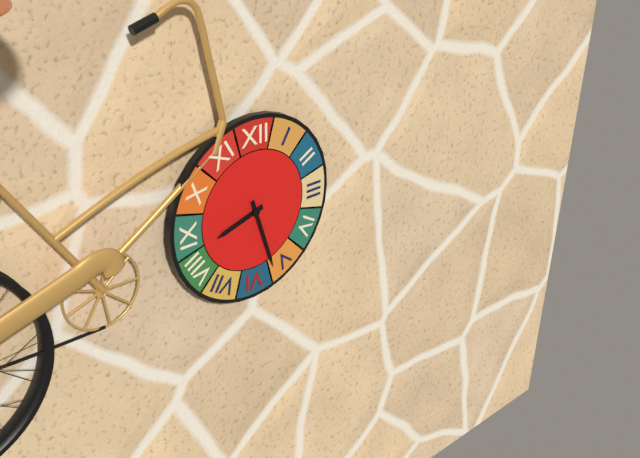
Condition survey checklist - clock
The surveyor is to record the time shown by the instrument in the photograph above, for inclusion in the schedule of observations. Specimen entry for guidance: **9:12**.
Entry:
**8:27**
